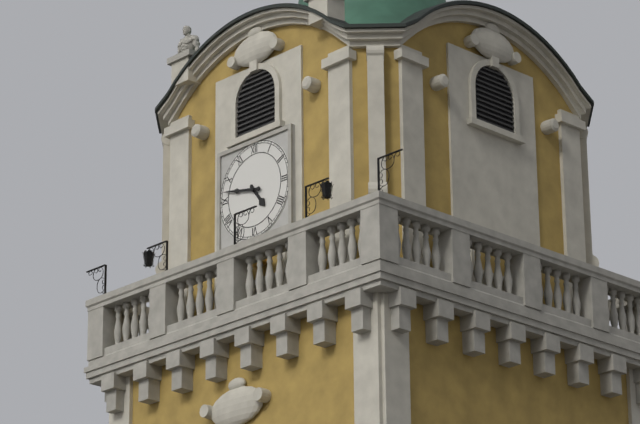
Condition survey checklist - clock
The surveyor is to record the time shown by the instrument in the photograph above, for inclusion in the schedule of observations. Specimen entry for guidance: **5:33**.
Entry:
**4:47**
